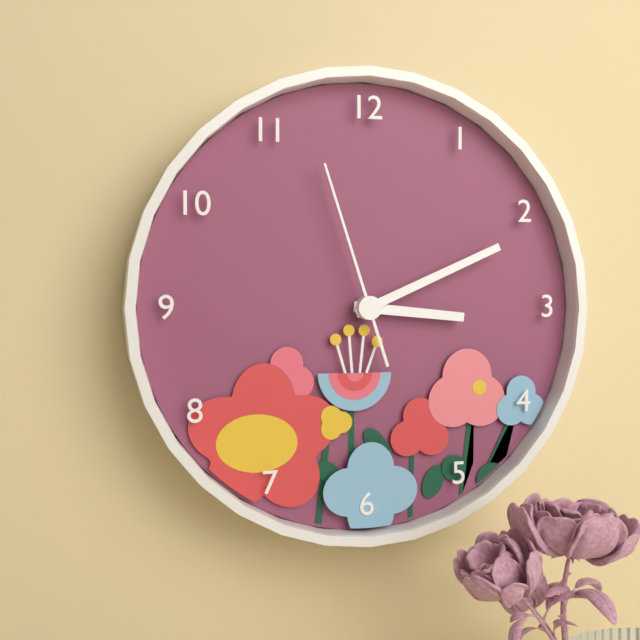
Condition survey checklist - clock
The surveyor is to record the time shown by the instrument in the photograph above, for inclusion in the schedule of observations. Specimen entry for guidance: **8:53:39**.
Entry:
**3:11:57**
